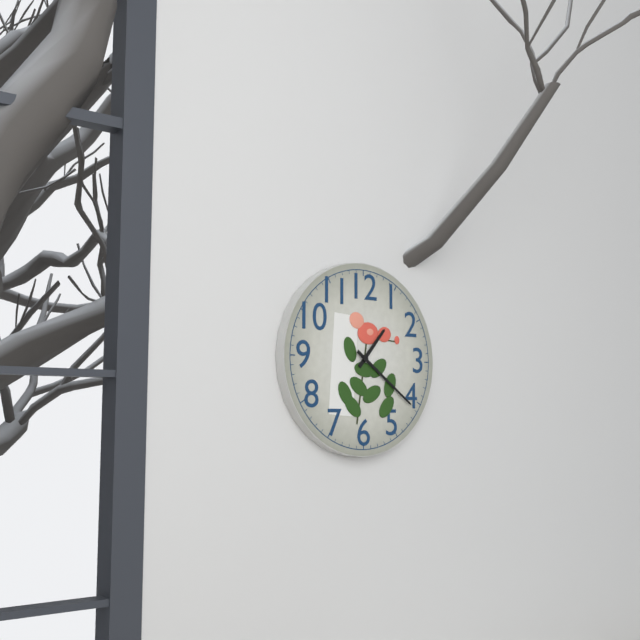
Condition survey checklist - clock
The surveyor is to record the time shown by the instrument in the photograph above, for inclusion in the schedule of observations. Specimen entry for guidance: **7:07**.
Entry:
**1:21**
